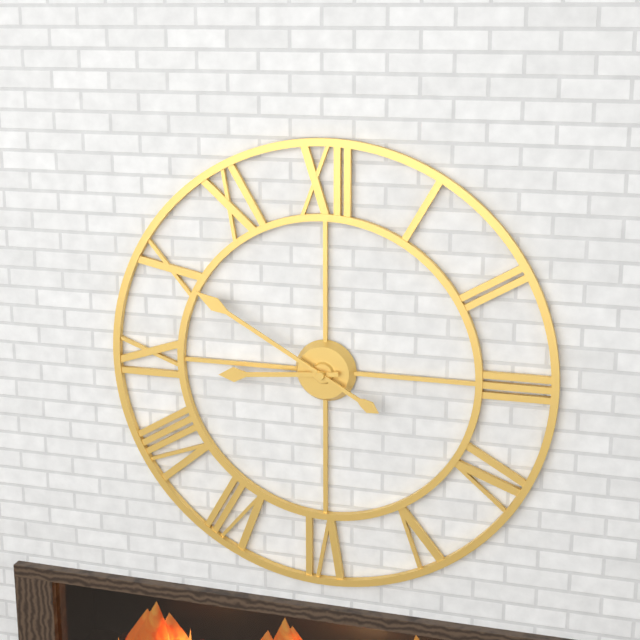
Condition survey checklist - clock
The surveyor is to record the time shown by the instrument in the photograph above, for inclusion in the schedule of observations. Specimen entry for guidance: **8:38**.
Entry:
**8:50**
